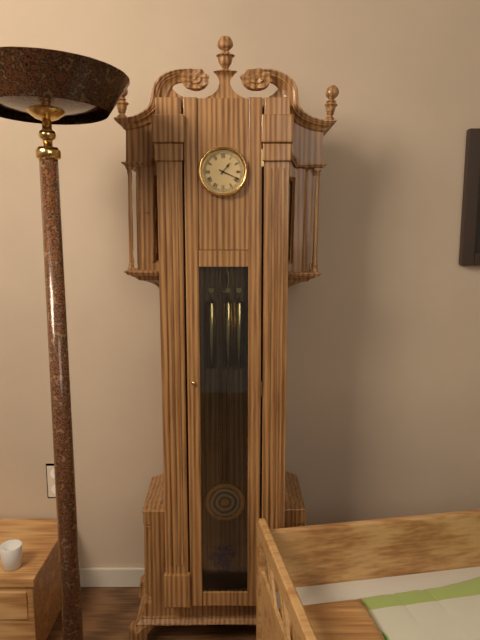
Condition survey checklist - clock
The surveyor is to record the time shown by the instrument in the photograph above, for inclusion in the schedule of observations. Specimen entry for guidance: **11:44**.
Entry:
**1:19**
